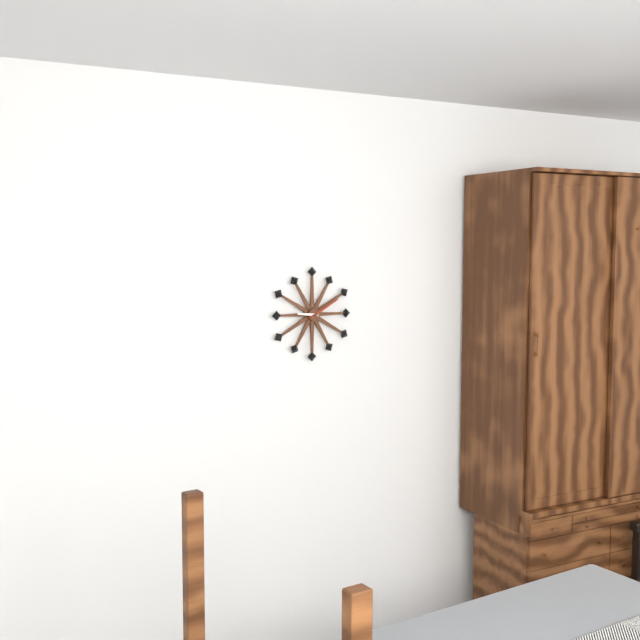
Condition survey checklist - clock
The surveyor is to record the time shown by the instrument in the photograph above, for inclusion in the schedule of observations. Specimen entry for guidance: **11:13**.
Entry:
**9:10**
